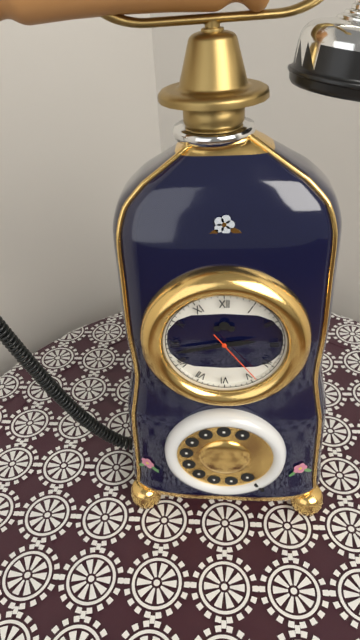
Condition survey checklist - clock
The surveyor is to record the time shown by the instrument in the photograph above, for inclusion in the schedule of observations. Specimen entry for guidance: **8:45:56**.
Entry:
**2:43:24**
